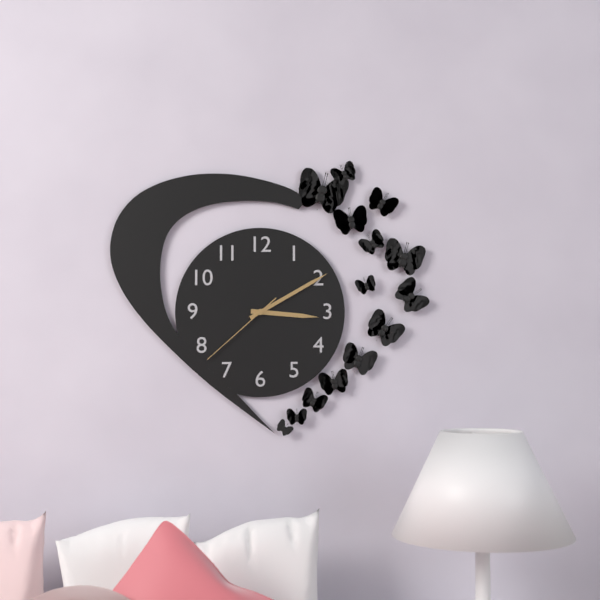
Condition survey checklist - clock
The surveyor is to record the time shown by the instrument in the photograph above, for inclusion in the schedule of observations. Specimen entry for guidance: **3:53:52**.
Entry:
**3:10:38**
